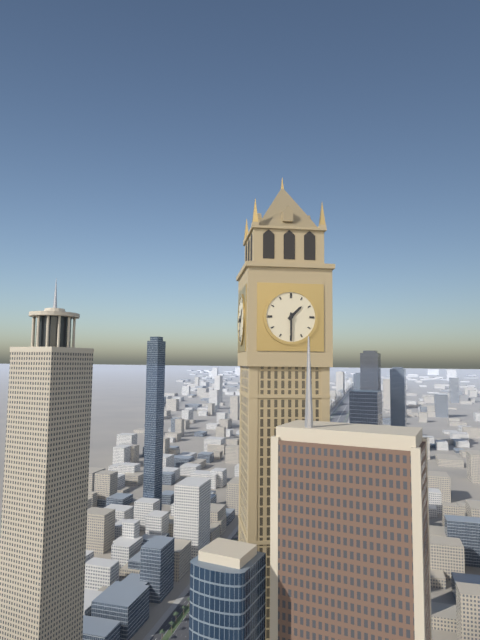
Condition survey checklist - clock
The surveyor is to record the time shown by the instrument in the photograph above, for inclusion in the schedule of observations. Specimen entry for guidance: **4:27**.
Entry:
**1:30**
